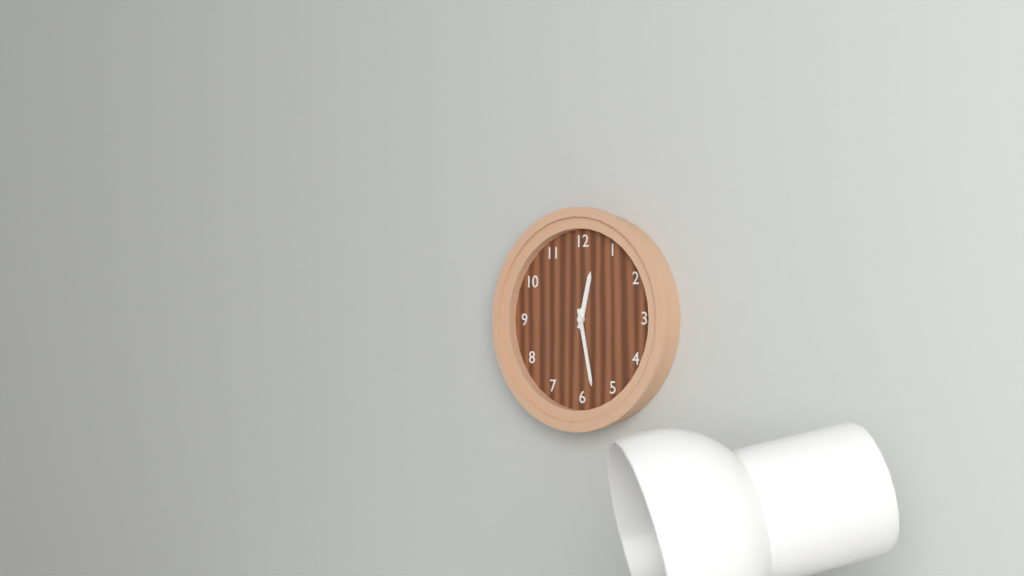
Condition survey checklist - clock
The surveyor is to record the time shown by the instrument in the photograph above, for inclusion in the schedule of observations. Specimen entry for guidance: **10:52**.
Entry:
**12:28**
